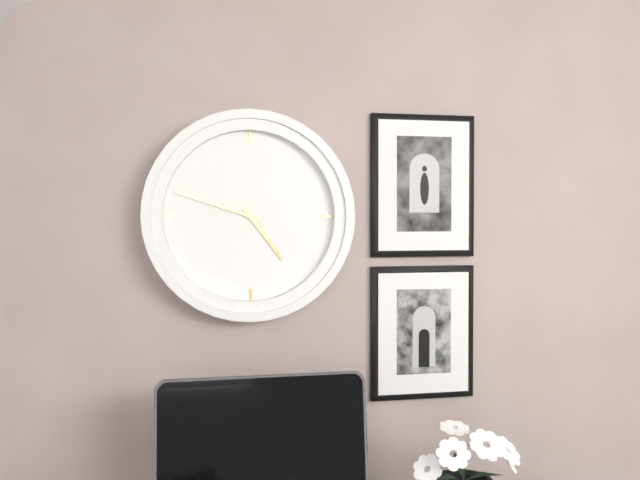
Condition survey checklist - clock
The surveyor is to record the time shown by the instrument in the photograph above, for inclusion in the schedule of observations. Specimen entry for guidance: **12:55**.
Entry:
**4:48**
